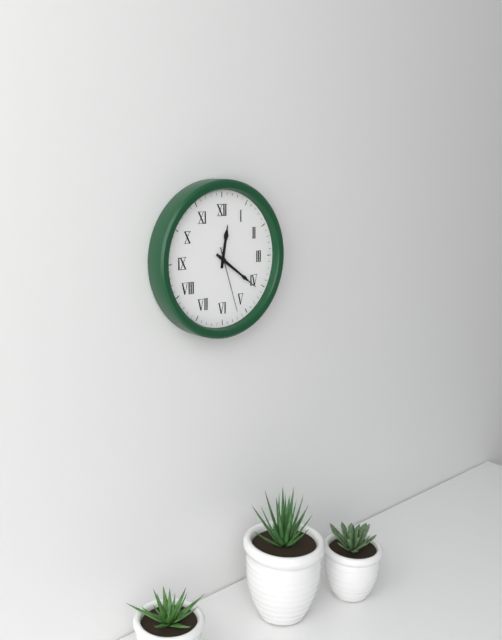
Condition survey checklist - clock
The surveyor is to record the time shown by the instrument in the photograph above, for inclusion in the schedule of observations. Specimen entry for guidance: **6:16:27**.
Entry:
**12:21:27**
